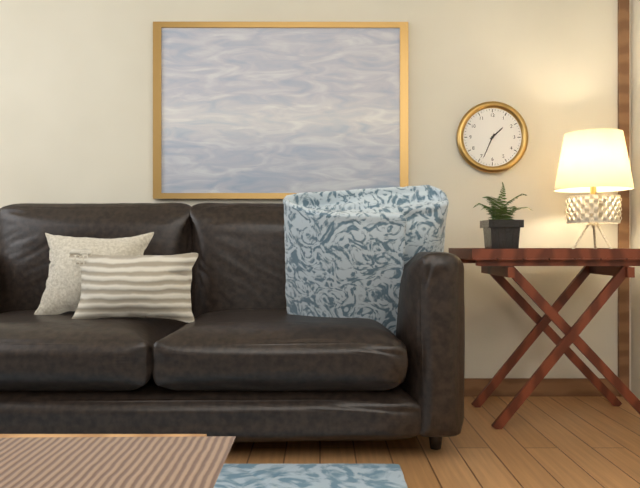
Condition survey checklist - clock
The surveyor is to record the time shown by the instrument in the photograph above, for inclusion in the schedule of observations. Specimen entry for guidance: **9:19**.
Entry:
**1:34**
